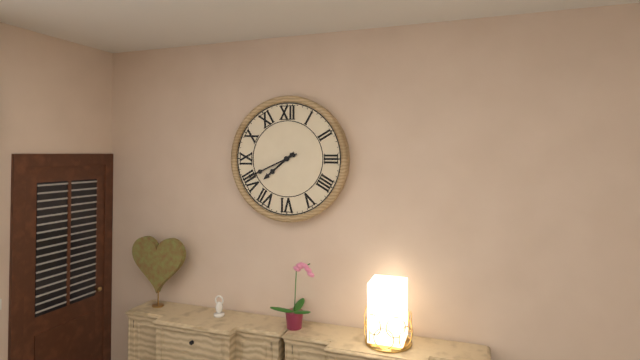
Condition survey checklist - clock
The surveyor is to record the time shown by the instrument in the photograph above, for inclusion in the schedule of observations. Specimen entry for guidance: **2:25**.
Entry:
**7:41**
